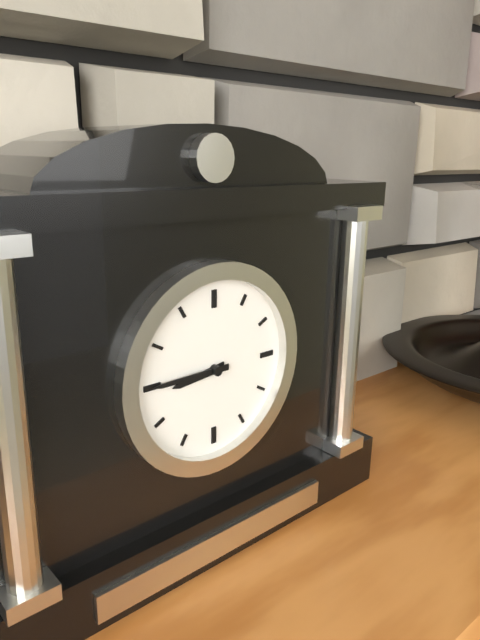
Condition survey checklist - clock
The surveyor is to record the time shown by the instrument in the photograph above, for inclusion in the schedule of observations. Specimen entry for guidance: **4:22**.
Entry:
**8:45**
